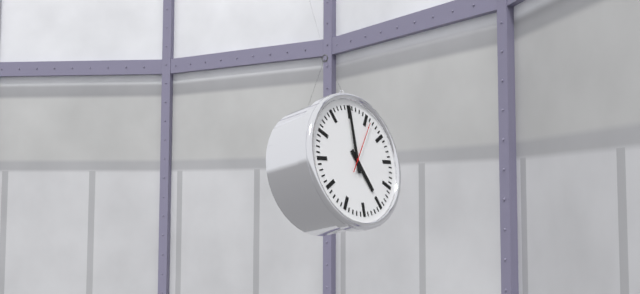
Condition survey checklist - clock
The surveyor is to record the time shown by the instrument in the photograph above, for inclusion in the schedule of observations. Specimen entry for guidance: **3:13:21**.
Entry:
**5:00:06**
